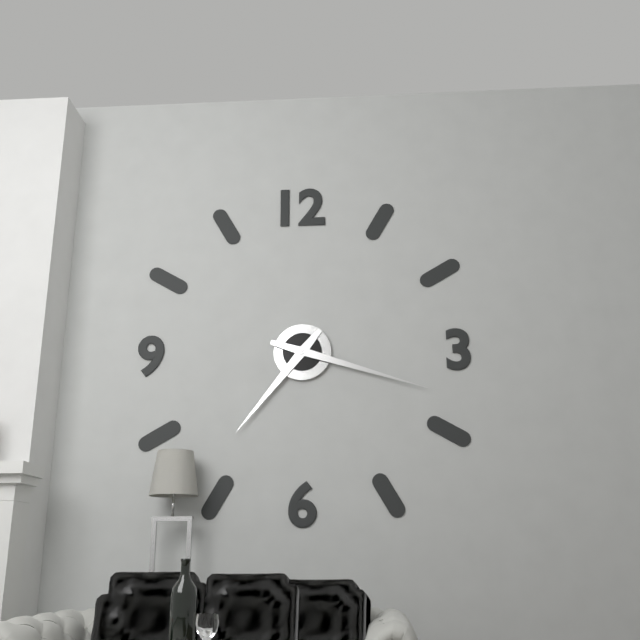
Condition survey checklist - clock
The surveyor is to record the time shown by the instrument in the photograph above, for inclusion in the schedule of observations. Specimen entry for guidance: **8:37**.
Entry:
**7:18**
